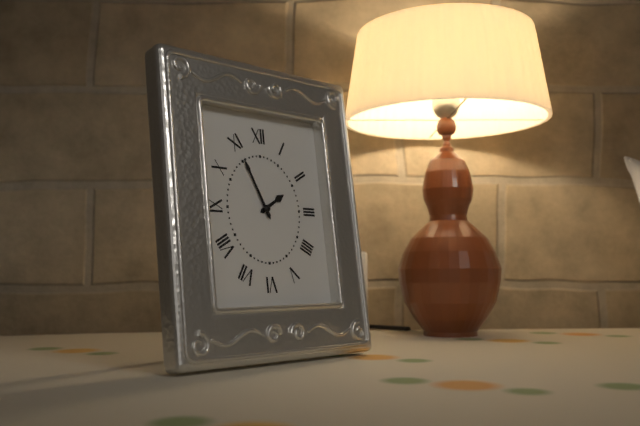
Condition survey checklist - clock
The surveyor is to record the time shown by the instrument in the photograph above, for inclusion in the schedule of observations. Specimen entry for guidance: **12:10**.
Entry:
**1:56**
